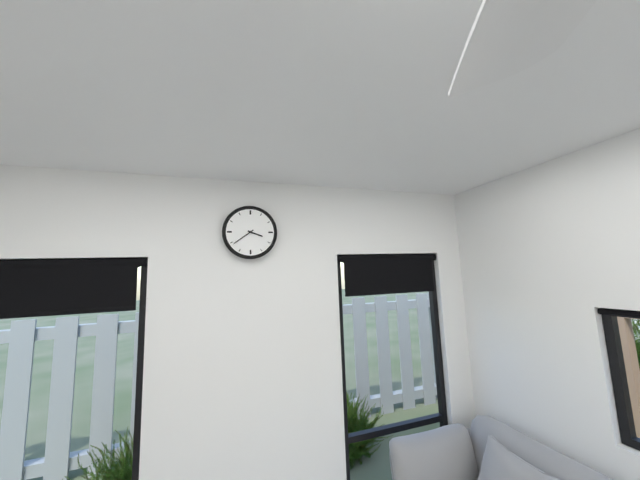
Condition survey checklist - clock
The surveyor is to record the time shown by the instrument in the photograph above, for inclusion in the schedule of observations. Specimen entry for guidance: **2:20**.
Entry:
**3:39**
